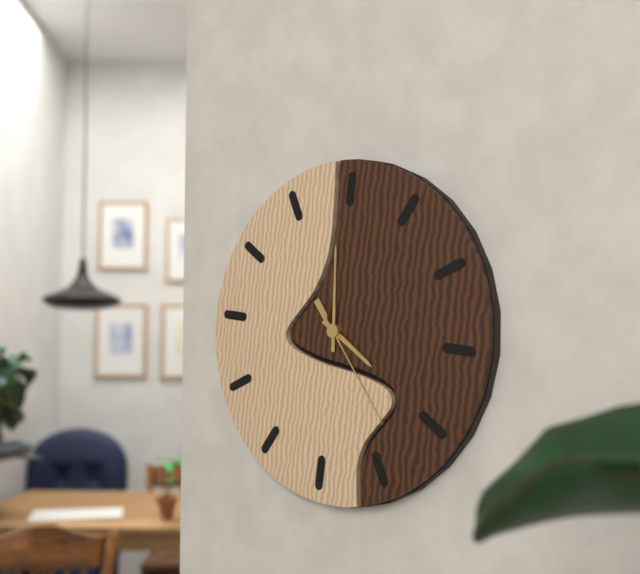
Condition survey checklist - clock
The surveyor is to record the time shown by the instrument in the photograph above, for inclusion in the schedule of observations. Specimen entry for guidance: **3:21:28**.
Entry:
**3:59:23**
